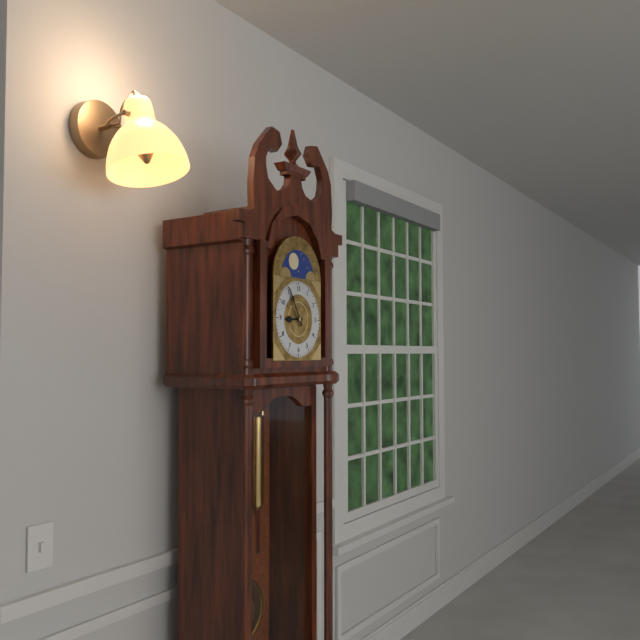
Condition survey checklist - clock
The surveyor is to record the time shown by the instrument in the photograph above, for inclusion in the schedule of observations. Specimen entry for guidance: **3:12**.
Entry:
**8:55**
